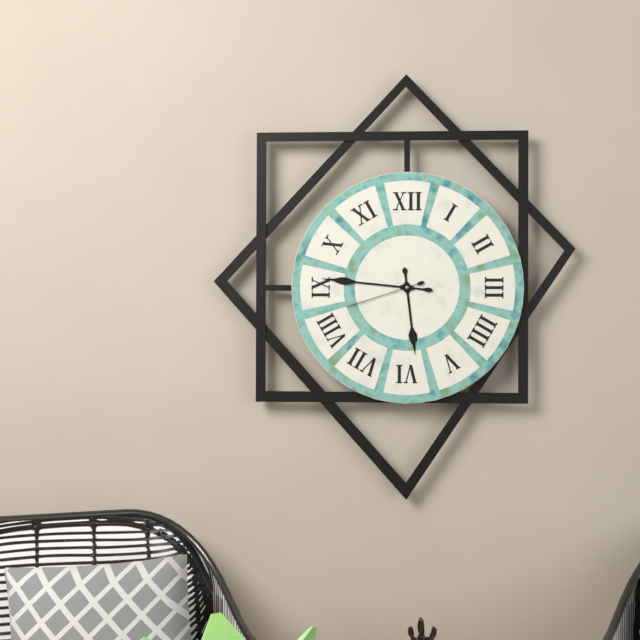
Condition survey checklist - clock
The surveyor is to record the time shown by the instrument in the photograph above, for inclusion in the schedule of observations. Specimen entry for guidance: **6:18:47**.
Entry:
**5:46:42**
